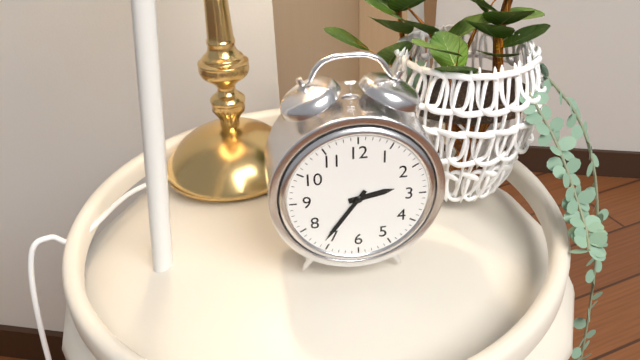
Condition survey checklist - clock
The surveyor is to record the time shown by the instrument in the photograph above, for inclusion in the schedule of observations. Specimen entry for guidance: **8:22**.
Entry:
**2:36**
